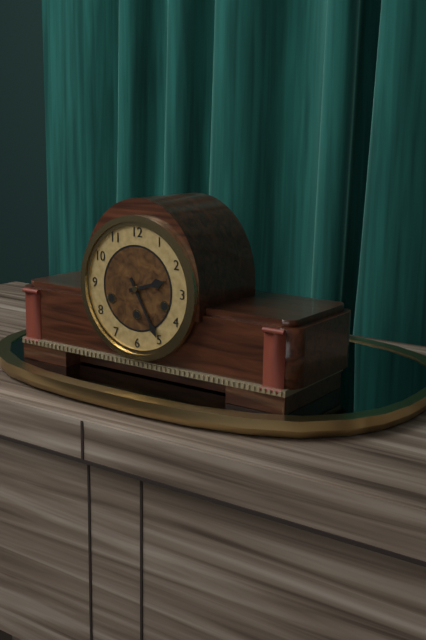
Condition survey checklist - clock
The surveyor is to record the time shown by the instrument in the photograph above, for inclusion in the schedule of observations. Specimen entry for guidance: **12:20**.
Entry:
**2:25**
